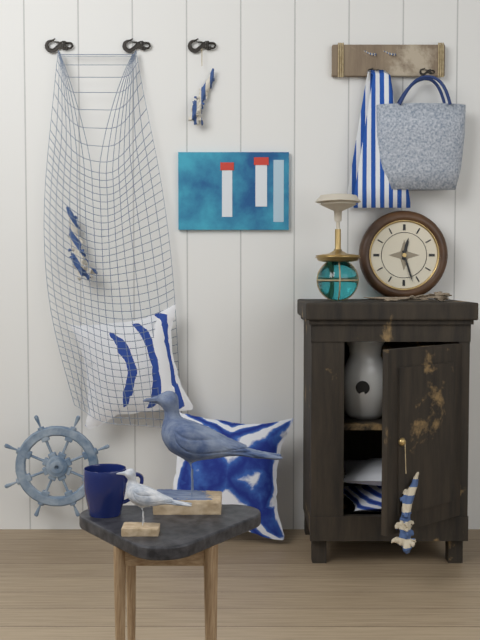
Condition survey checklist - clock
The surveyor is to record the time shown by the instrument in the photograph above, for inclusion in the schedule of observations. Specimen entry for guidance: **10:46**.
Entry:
**12:27**
